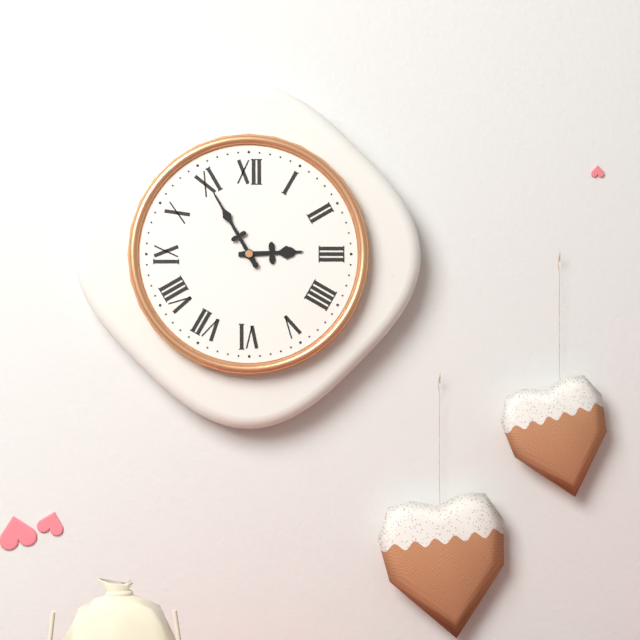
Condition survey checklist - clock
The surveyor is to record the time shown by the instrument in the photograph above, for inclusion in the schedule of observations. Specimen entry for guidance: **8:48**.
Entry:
**2:55**
